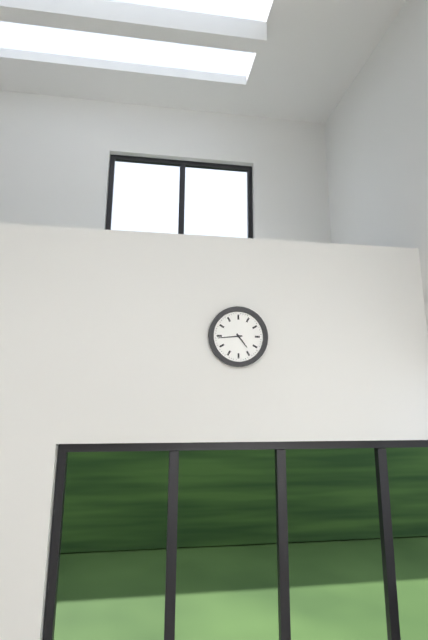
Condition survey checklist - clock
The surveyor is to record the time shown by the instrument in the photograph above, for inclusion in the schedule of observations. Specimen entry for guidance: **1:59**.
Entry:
**4:44**
